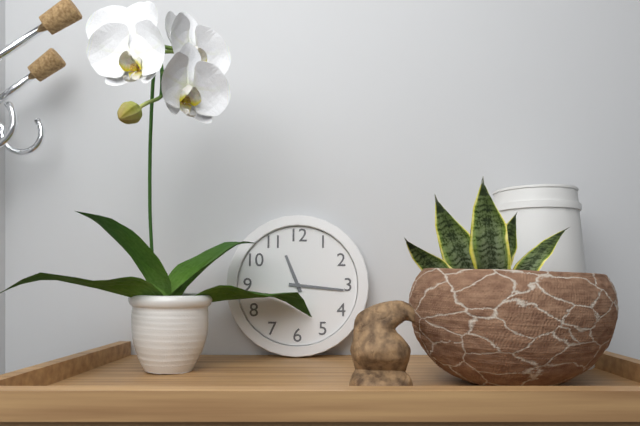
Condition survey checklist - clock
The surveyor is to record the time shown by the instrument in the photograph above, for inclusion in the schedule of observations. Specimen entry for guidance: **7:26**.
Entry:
**11:16**
